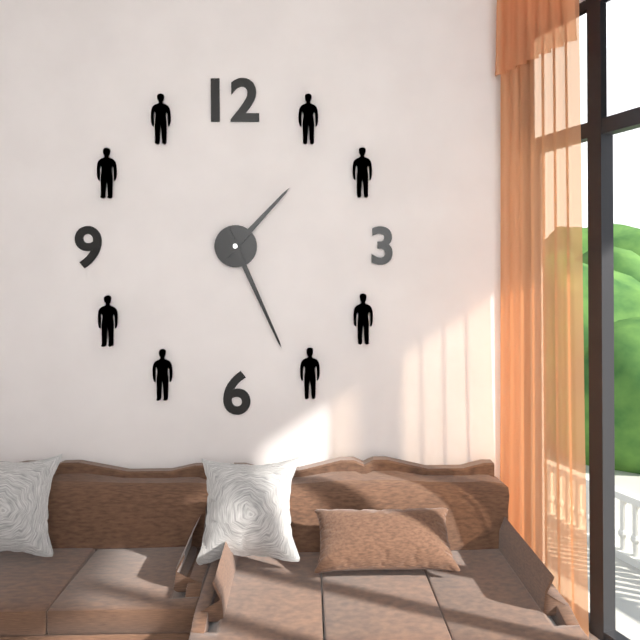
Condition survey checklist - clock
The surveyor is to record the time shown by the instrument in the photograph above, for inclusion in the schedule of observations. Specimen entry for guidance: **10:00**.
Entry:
**1:26**
